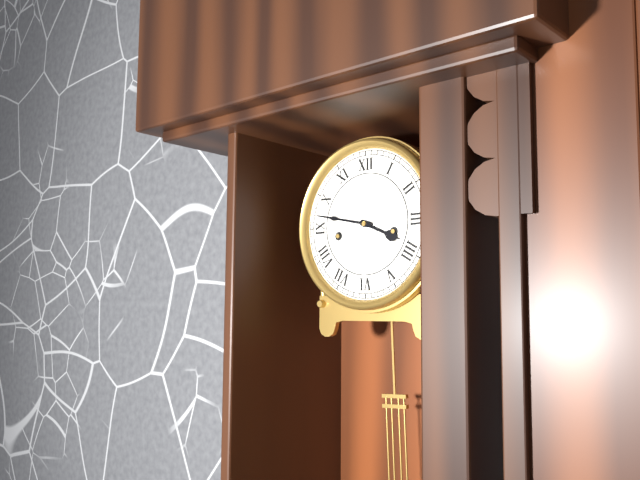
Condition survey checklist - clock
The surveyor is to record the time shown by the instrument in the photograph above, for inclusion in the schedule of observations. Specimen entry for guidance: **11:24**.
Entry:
**3:47**
